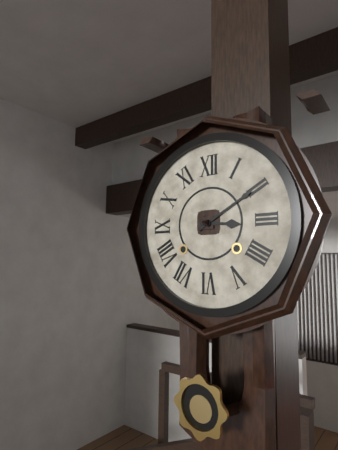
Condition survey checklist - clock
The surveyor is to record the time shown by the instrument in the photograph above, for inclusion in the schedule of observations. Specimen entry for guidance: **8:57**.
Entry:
**3:10**
